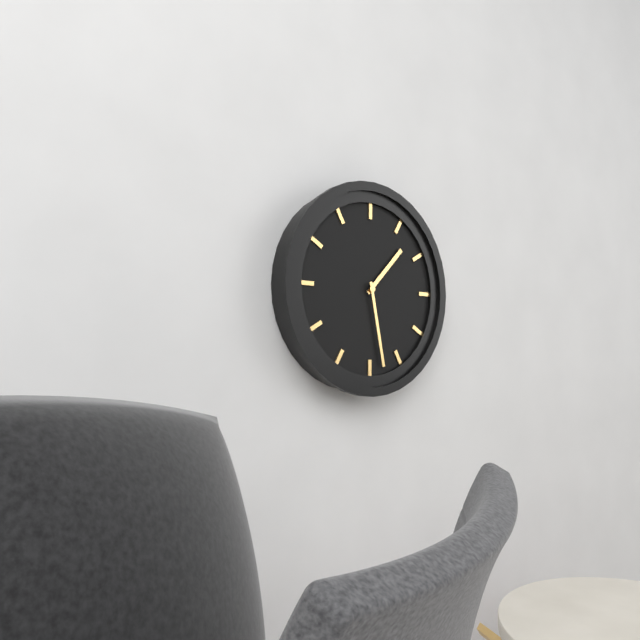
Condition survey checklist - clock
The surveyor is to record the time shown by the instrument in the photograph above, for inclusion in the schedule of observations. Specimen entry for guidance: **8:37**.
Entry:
**1:28**
